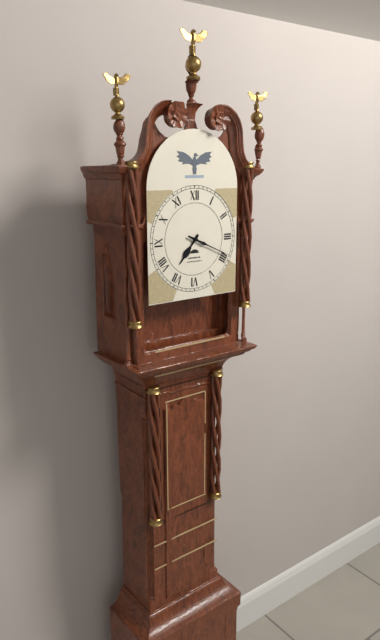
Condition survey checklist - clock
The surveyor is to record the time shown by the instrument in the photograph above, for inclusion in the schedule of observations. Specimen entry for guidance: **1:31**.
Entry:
**7:19**
